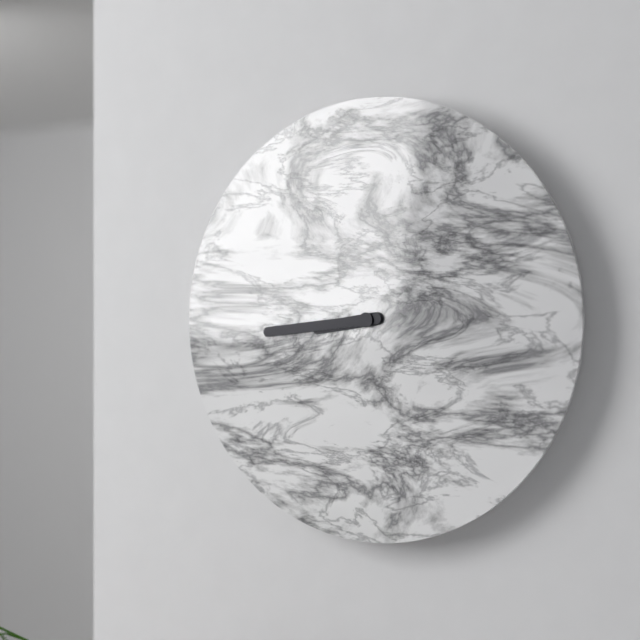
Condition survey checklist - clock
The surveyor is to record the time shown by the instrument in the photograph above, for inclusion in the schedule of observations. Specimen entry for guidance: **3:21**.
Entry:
**8:44**
